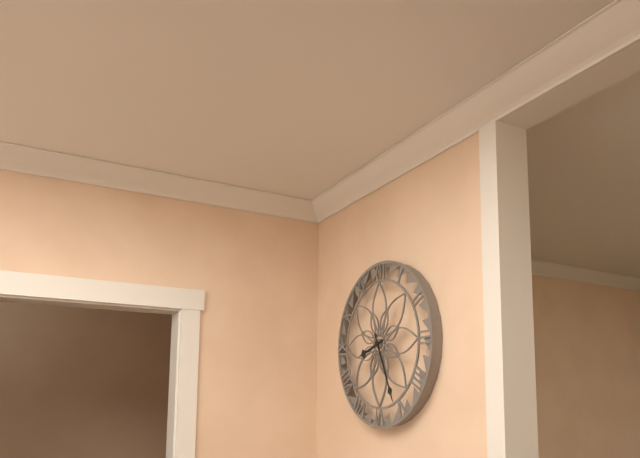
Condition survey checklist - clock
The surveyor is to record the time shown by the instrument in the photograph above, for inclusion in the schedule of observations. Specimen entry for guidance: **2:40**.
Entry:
**8:26**
